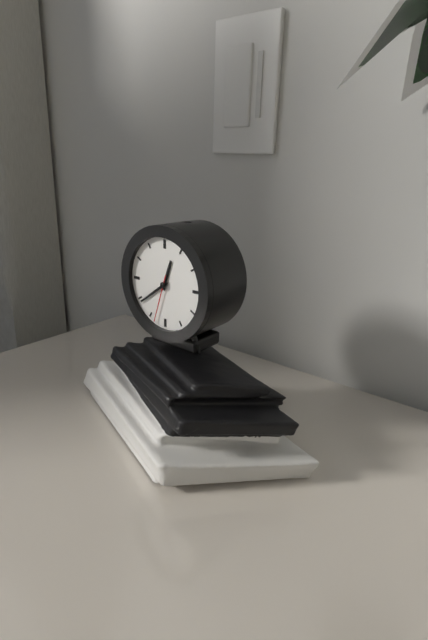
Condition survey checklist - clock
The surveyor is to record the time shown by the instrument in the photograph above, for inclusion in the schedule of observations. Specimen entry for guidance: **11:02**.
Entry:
**12:39**
